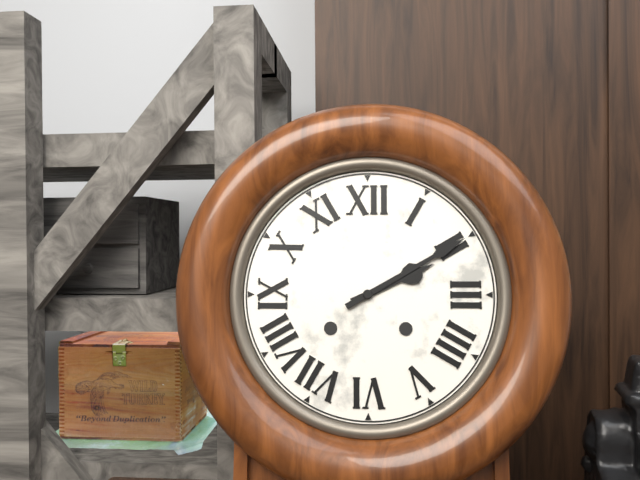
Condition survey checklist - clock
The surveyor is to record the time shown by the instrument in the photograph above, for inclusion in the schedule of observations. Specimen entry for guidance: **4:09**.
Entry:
**2:10**
